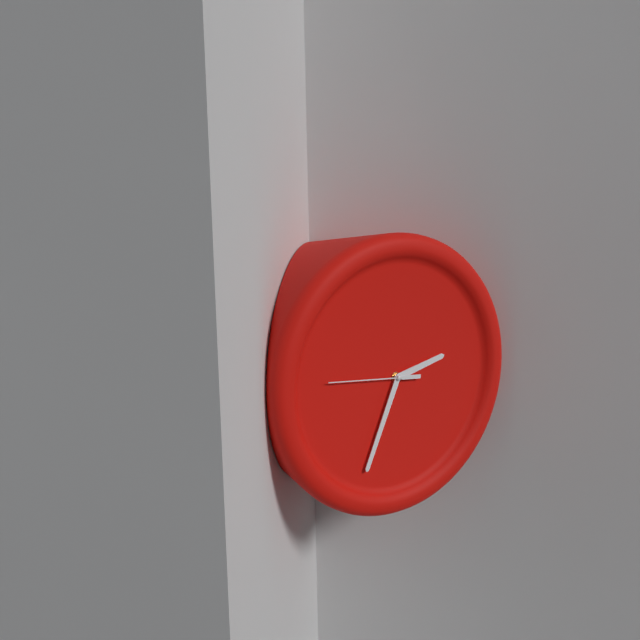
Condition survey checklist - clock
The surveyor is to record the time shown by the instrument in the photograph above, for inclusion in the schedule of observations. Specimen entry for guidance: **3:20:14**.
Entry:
**2:34:46**
